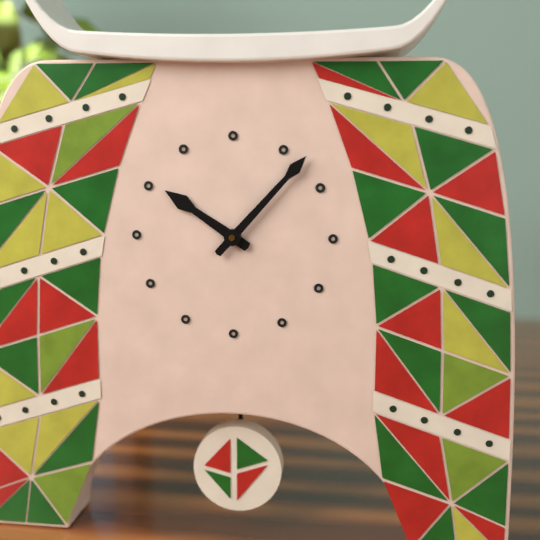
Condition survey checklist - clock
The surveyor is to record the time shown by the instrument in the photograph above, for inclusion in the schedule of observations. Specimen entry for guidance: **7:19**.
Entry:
**10:07**
